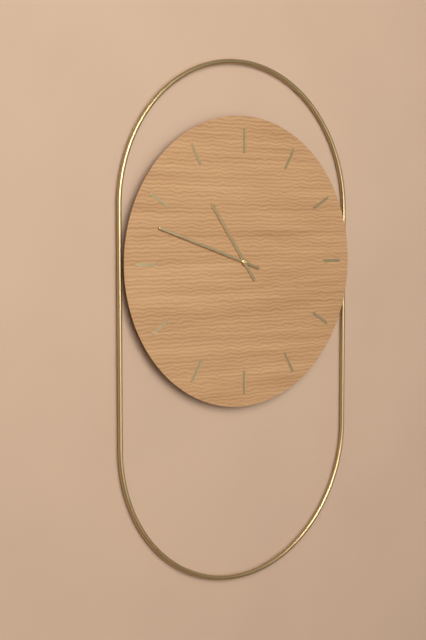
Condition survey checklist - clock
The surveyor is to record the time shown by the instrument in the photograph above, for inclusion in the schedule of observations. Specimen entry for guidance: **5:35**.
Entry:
**10:48**
